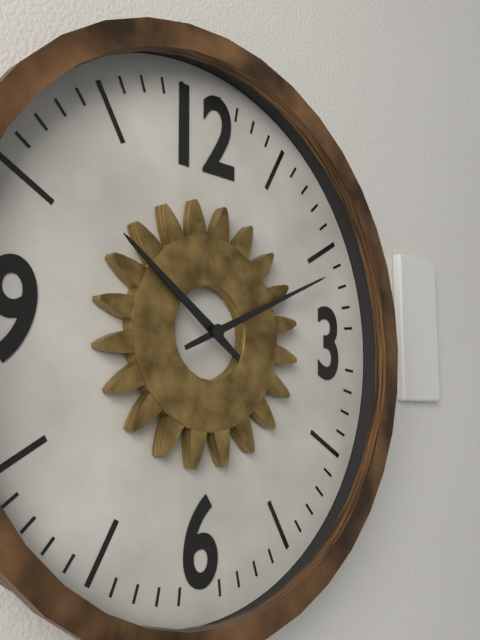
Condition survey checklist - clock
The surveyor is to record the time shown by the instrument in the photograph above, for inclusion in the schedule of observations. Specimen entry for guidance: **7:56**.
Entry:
**10:11**
